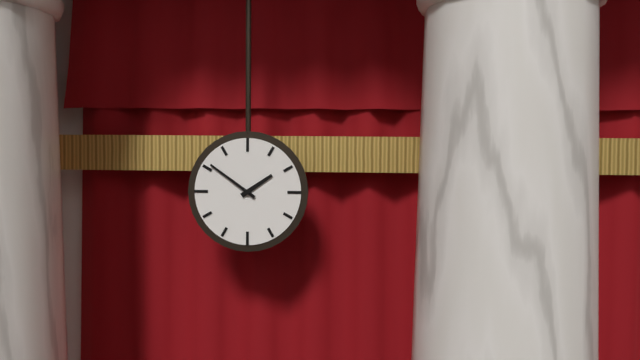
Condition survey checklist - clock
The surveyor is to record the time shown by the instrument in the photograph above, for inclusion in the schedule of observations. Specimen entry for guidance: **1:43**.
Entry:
**1:51**
